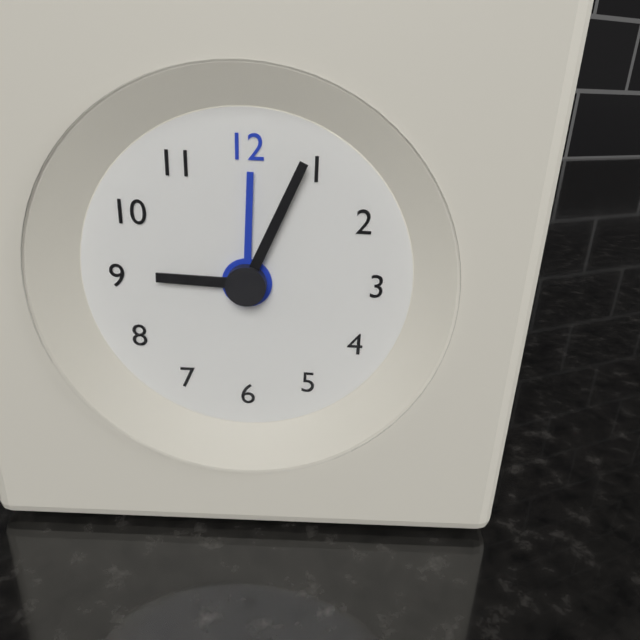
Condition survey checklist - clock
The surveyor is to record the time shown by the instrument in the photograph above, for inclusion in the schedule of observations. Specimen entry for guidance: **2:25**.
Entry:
**9:04**
